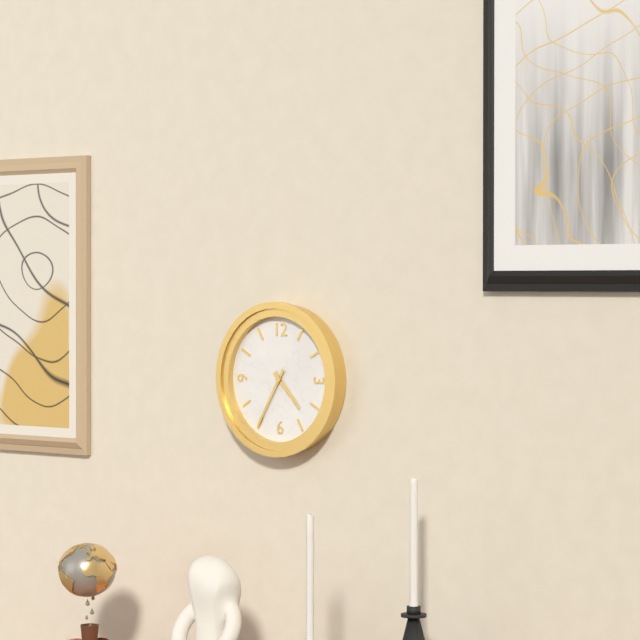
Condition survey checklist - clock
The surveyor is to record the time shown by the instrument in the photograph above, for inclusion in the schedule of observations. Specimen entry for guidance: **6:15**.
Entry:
**4:35**
